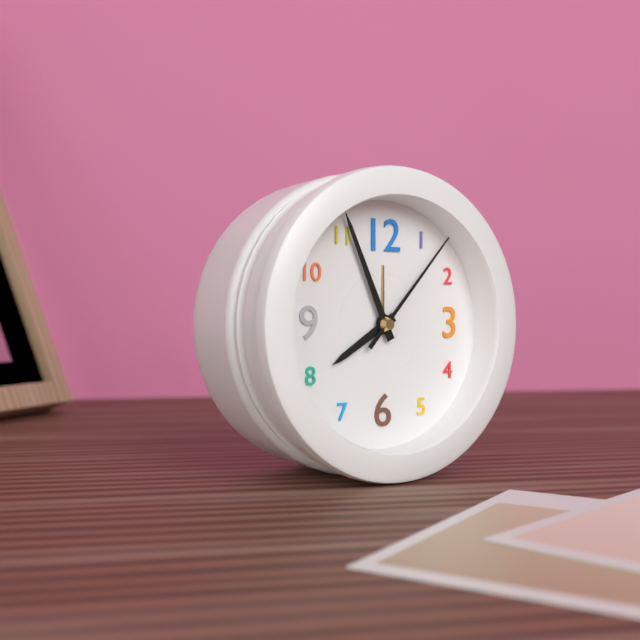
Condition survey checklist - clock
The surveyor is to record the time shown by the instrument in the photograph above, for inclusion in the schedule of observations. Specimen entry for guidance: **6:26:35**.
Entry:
**7:56:07**
